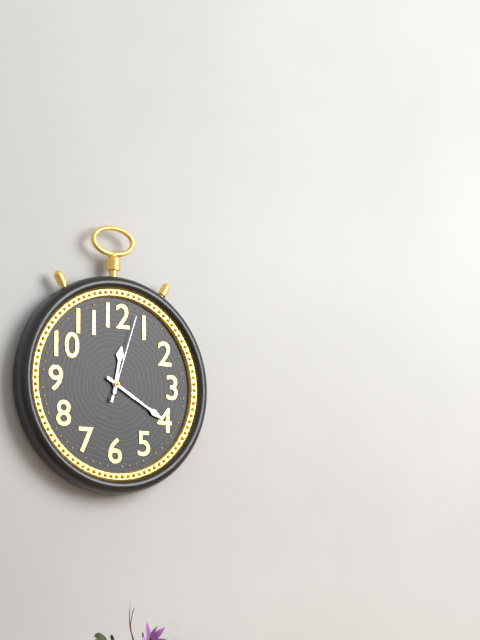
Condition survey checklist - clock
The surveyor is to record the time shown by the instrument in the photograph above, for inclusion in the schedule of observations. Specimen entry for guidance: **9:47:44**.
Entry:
**12:20:03**
